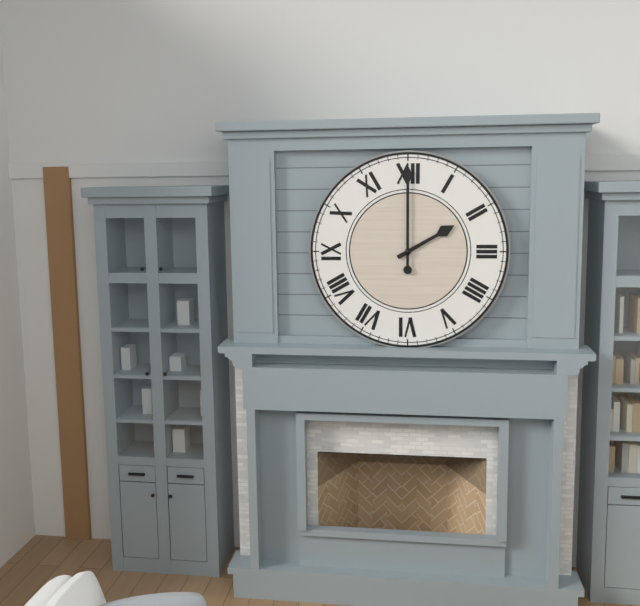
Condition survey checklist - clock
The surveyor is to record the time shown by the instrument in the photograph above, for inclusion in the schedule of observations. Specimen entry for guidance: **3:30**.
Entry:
**2:00**
